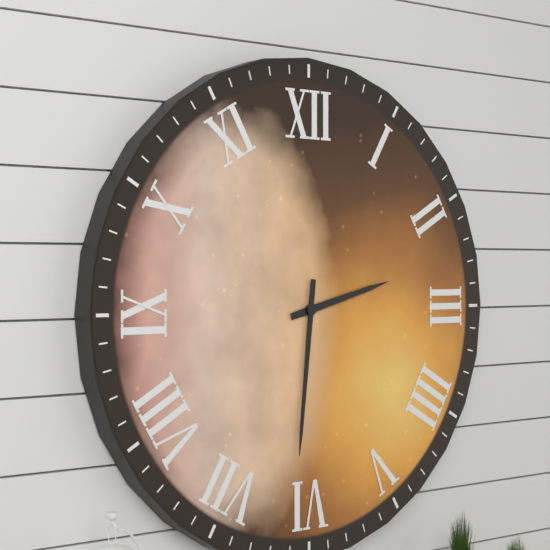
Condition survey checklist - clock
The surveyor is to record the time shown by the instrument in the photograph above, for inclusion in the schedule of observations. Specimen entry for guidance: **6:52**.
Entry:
**2:31**
